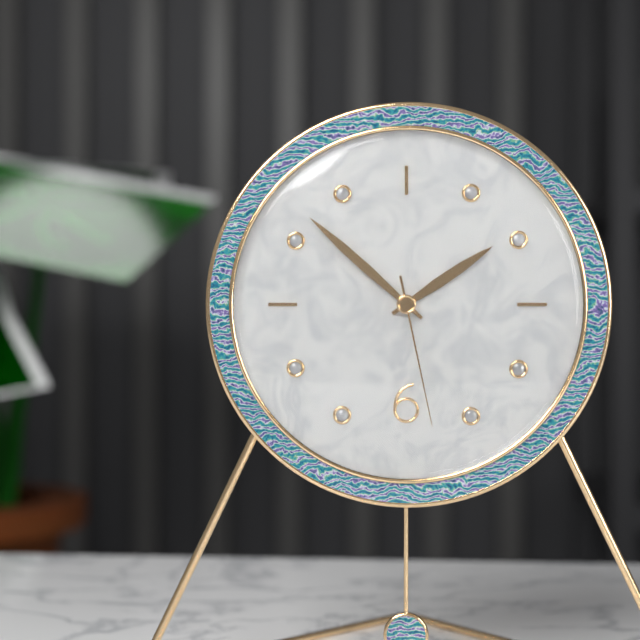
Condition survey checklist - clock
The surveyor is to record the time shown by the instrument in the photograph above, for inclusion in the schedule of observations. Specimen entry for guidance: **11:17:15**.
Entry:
**1:52:28**
